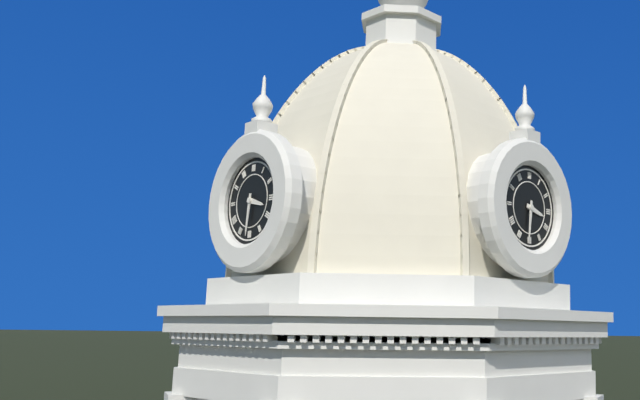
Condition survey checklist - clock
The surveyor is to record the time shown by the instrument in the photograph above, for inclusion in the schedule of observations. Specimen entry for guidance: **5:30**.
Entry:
**3:31**
